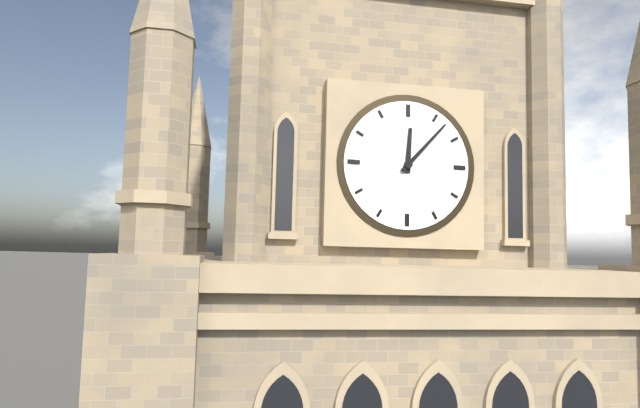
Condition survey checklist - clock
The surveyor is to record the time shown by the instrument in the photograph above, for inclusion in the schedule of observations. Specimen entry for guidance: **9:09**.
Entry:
**12:07**
